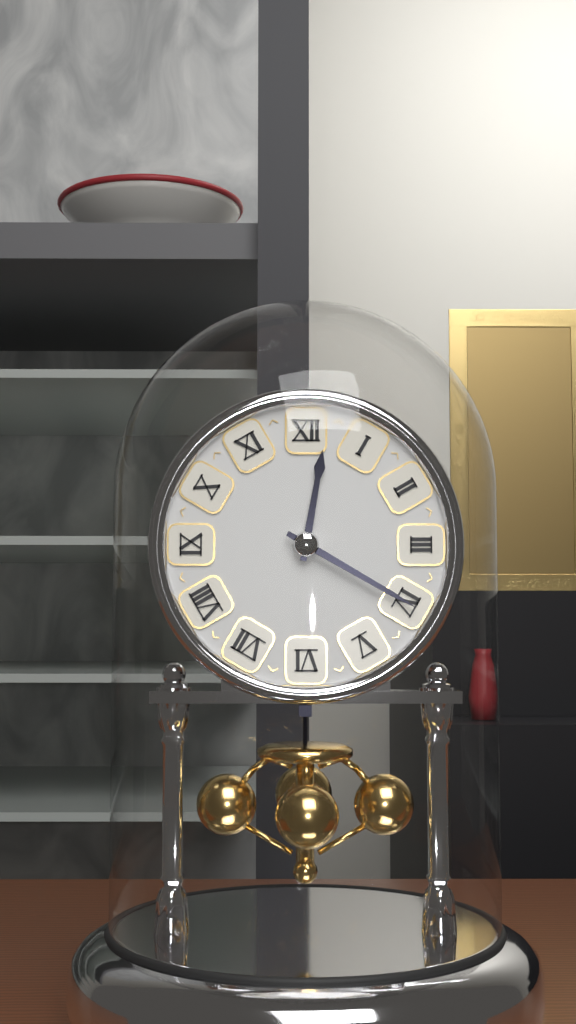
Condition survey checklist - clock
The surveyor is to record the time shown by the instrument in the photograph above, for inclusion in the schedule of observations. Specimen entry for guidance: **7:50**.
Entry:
**12:20**
